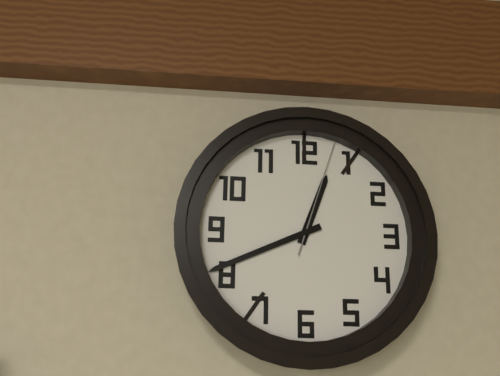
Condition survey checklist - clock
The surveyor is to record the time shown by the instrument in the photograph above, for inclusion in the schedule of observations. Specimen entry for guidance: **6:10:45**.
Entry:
**12:41:03**
